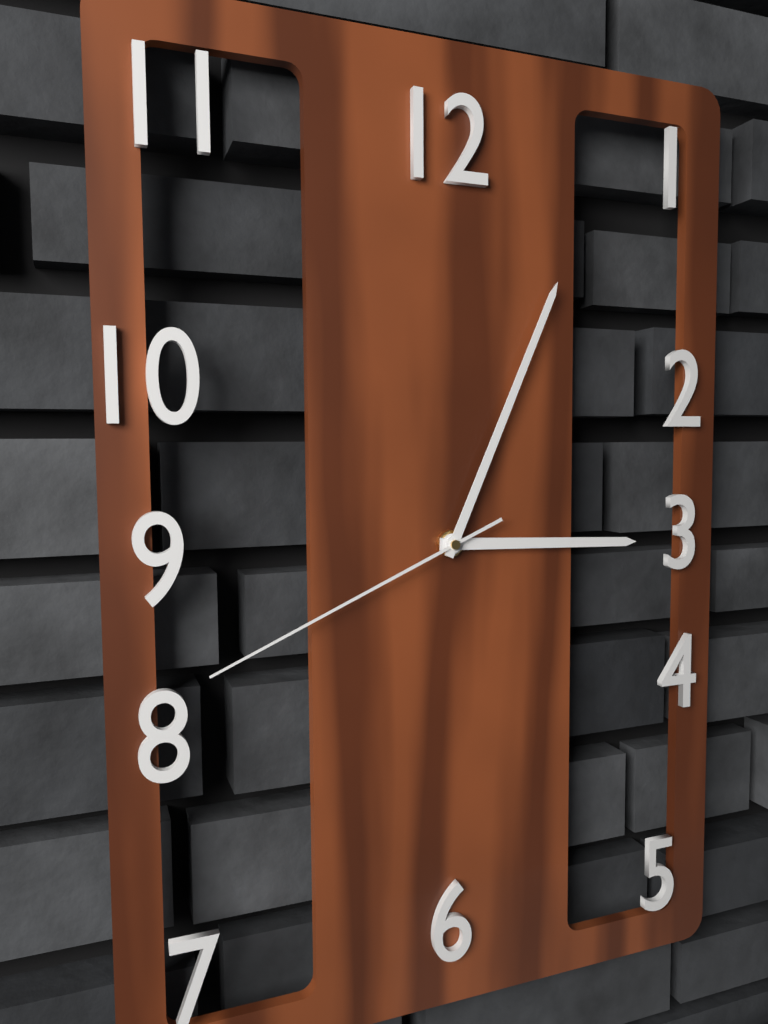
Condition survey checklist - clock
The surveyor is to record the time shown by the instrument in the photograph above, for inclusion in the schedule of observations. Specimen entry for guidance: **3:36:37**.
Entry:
**3:04:41**
